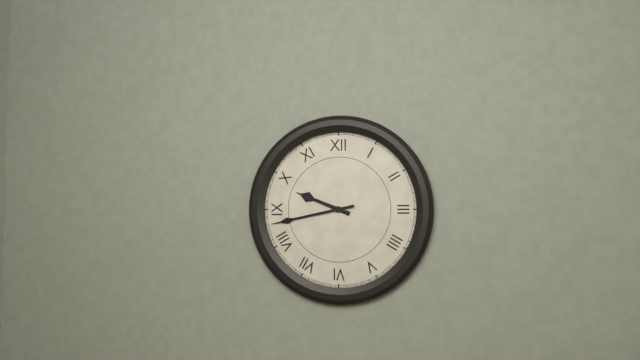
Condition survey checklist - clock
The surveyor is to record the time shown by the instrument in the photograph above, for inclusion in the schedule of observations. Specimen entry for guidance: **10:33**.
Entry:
**9:43**
